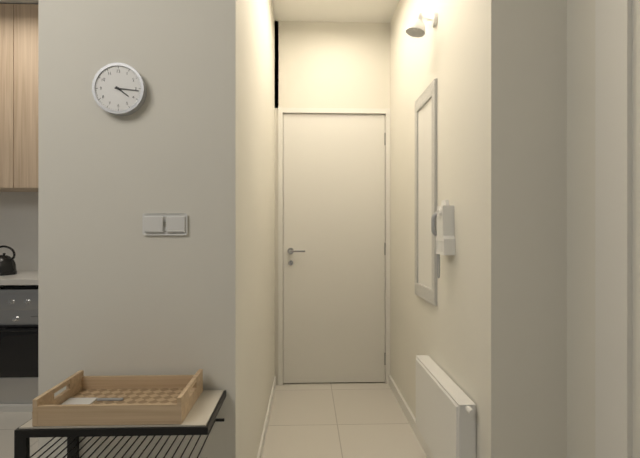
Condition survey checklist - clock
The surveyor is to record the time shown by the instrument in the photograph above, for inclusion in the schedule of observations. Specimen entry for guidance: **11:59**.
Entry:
**4:16**
